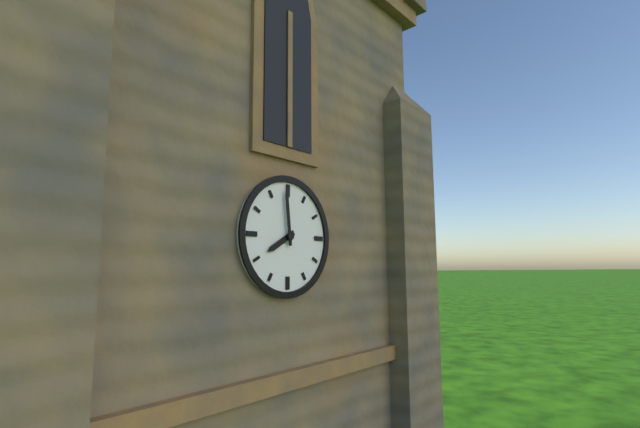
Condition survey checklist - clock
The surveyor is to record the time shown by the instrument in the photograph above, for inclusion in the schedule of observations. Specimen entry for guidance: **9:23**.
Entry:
**7:59**
